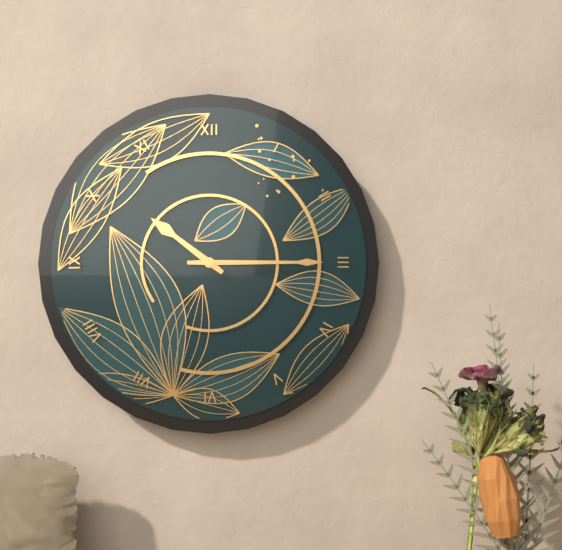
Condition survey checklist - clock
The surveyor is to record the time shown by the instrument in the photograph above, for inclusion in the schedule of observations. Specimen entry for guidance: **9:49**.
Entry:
**10:15**
